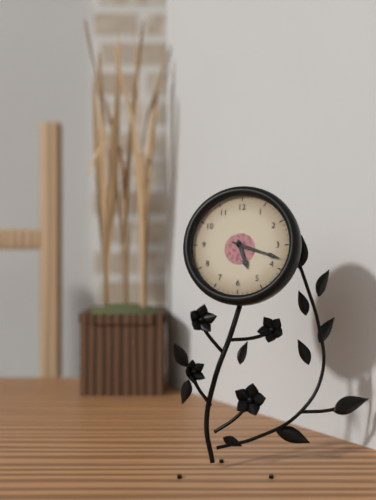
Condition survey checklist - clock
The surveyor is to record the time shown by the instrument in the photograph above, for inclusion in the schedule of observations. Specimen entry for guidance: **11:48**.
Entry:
**5:18**
